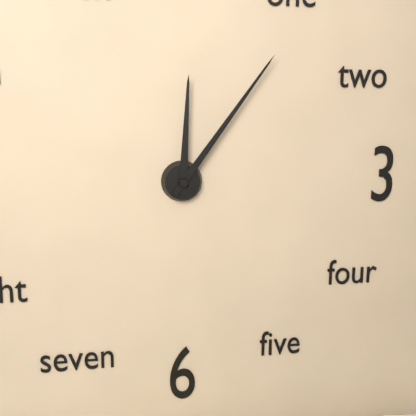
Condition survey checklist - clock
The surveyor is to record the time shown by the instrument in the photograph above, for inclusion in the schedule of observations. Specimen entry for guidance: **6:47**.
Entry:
**12:06**
